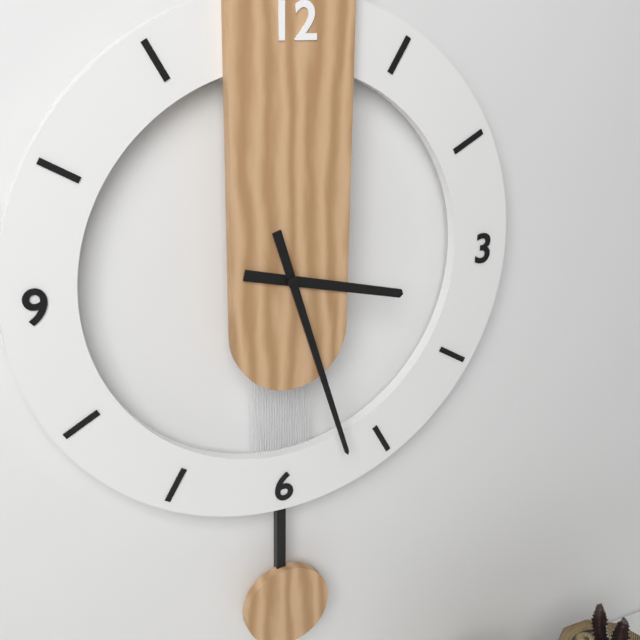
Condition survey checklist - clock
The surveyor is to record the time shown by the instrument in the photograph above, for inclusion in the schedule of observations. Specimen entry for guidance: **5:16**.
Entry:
**3:27**
